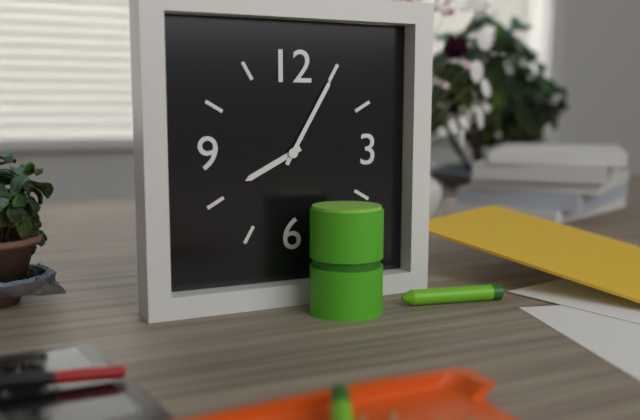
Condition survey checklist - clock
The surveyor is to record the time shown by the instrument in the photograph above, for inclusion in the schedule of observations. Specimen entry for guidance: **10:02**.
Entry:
**8:05**
